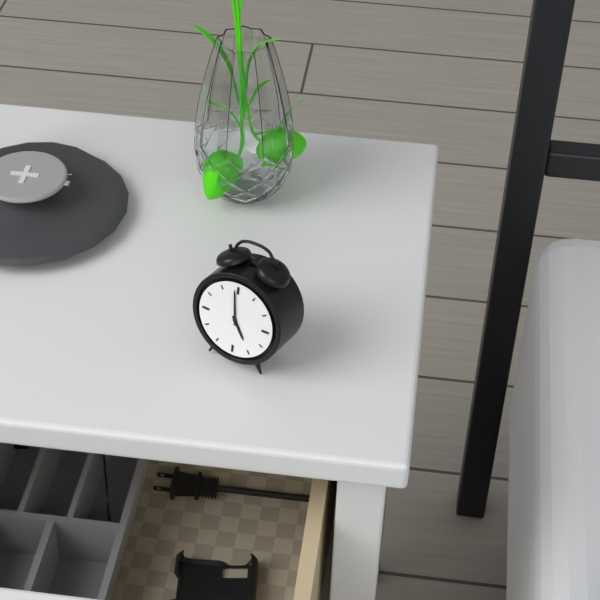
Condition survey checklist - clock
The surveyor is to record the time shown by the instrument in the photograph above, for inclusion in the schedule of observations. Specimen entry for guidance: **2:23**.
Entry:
**4:59**
